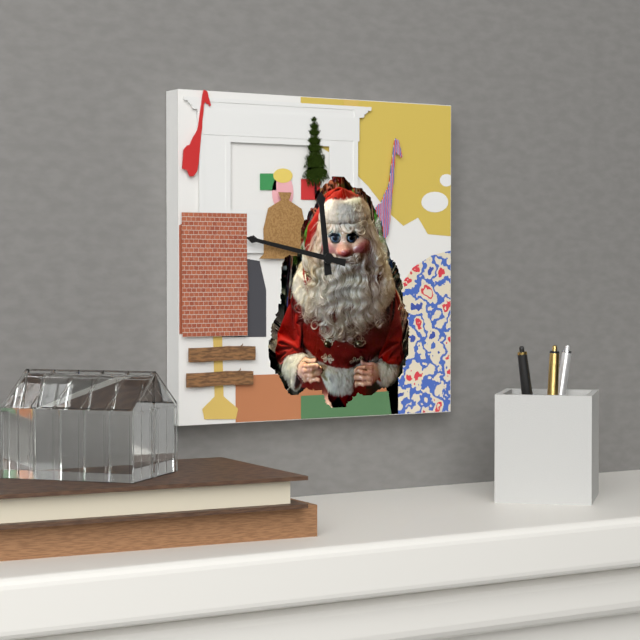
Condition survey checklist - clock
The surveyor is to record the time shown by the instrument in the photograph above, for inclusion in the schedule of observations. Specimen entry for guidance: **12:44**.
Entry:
**11:47**
